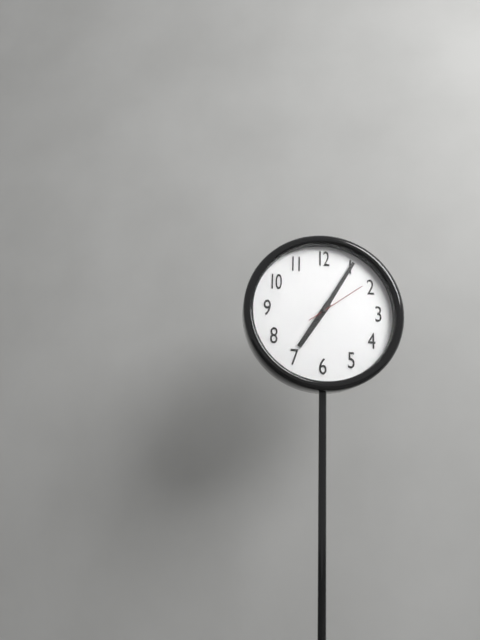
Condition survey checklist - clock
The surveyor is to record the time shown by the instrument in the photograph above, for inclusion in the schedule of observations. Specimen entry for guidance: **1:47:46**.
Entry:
**7:05:09**
